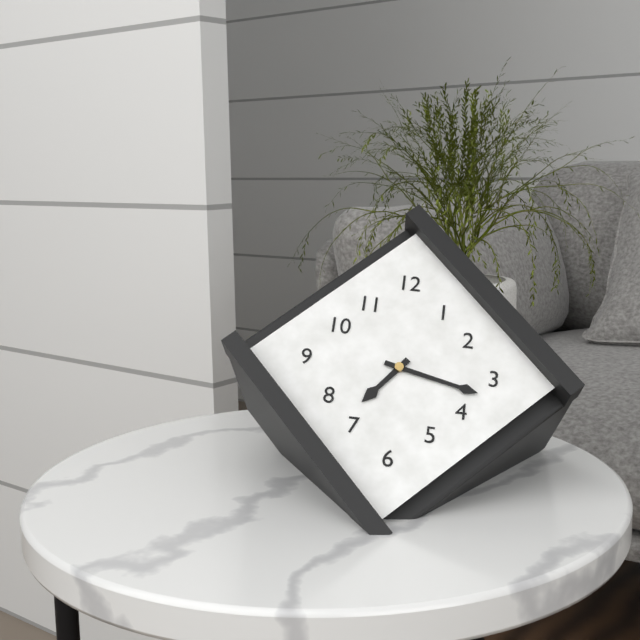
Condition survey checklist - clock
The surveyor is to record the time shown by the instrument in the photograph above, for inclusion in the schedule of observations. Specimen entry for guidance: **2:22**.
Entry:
**7:17**
